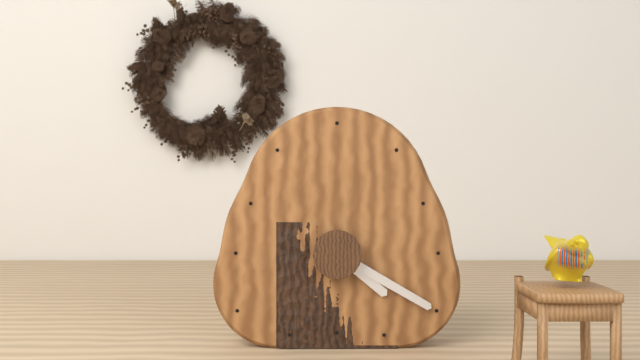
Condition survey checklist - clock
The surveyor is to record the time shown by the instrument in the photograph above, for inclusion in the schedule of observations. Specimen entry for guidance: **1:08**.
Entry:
**4:20**
